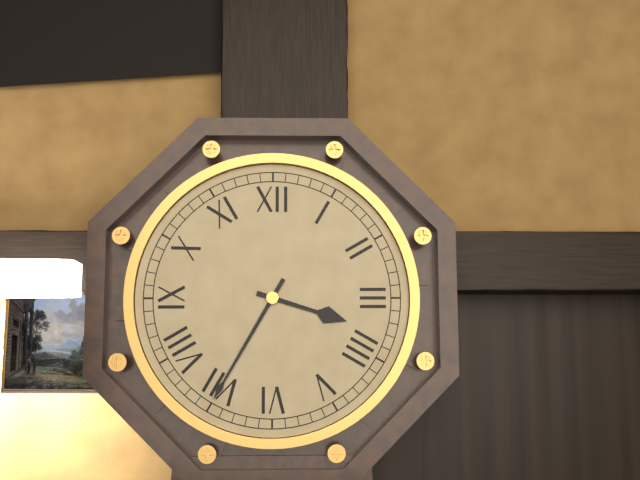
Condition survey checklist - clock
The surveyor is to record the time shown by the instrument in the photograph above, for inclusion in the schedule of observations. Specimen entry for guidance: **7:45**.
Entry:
**3:35**
